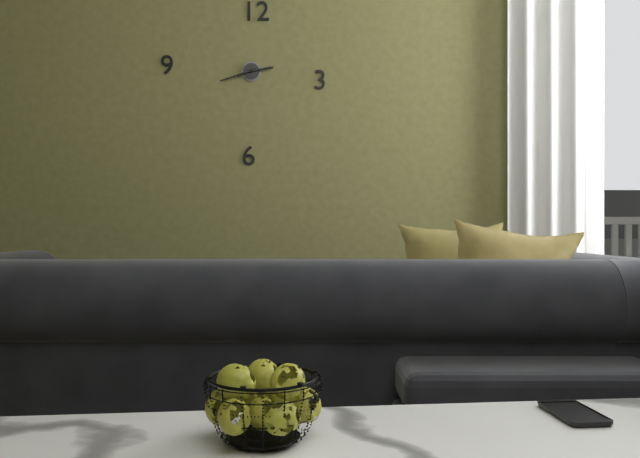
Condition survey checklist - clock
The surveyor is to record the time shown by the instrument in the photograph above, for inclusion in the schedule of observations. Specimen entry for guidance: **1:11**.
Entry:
**2:42**
